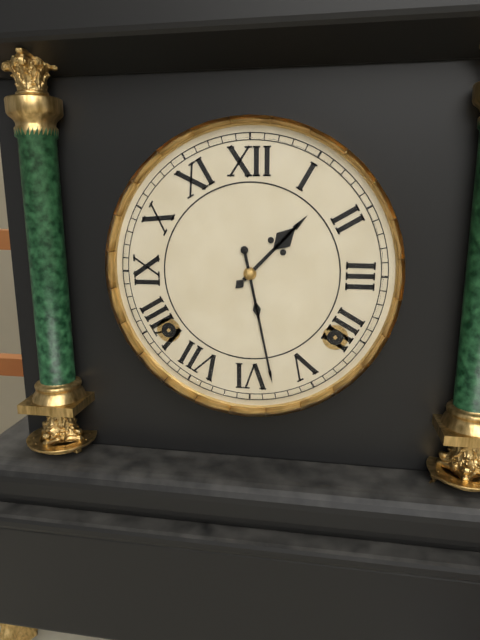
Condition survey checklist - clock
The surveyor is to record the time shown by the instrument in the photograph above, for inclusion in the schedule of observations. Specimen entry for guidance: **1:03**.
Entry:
**1:28**
